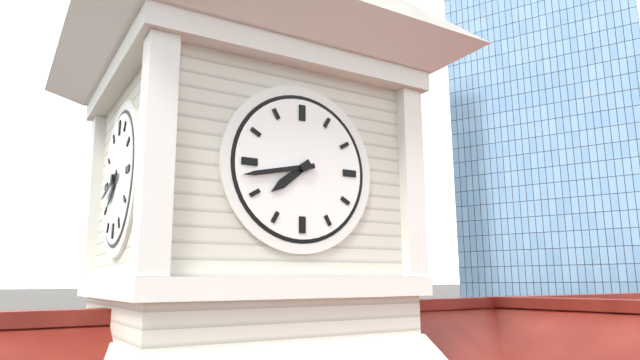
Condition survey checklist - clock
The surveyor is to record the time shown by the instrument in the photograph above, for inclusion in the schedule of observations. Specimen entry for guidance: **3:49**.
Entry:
**7:43**
